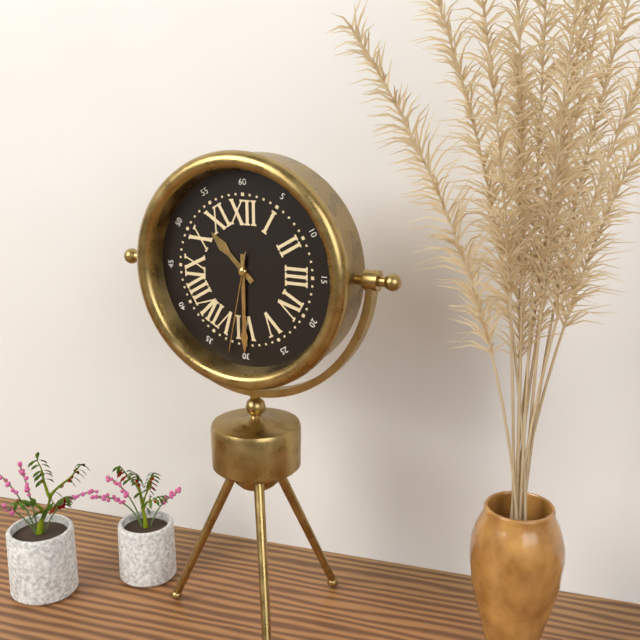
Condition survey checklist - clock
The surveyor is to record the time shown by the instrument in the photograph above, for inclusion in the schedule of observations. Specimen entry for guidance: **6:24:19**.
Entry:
**10:30:32**
